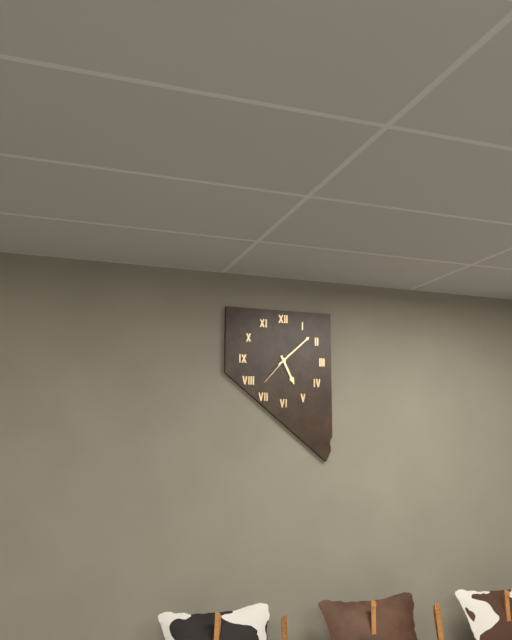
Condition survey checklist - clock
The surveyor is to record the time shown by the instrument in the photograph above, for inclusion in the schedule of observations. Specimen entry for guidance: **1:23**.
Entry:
**5:08**
